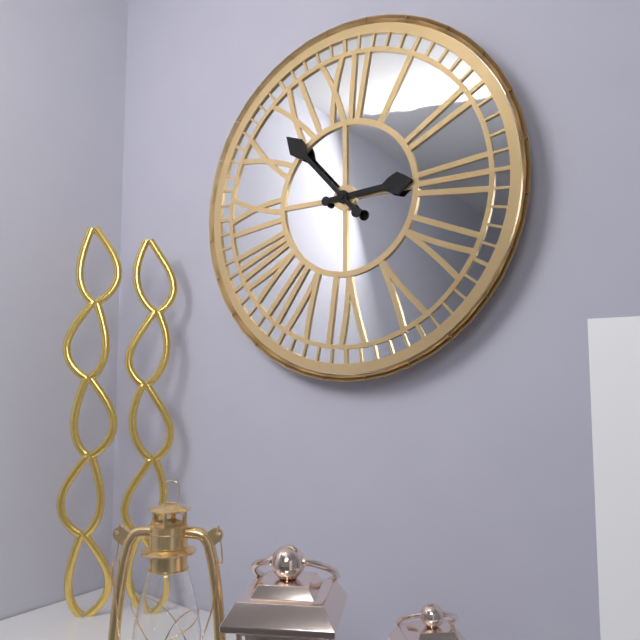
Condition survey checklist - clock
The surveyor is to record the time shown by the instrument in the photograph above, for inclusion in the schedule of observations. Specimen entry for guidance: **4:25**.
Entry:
**2:53**
